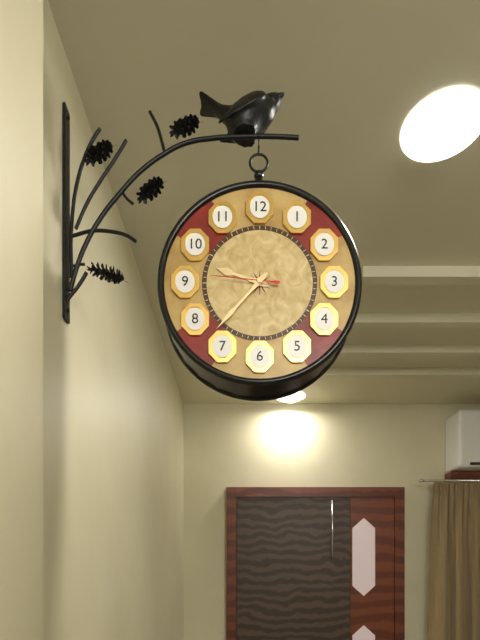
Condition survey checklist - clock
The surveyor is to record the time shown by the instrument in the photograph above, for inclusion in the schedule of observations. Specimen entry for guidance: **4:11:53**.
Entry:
**9:37:46**
